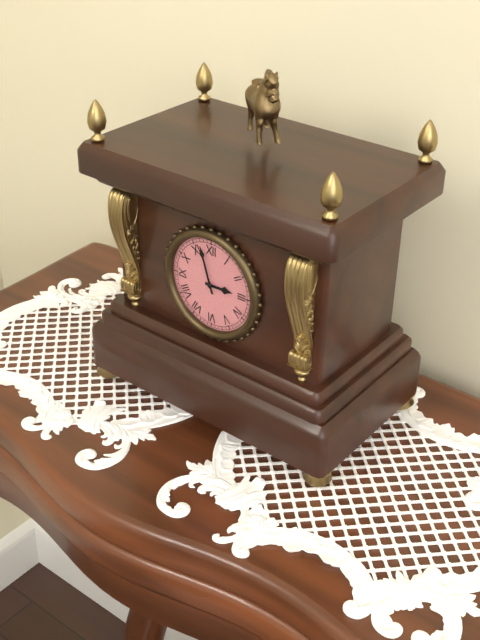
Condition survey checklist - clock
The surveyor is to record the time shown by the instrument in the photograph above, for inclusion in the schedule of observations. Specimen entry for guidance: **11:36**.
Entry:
**2:57**
